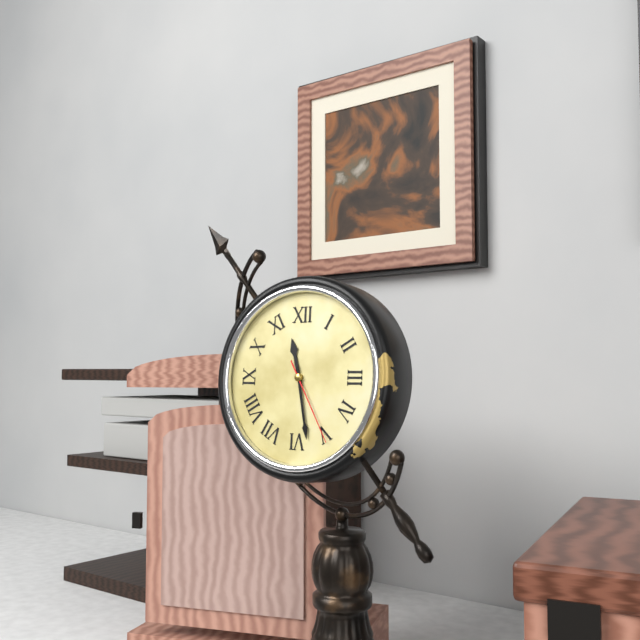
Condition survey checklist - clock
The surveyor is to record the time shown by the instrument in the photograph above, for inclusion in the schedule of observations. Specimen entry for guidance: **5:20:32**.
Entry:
**11:28:25**
